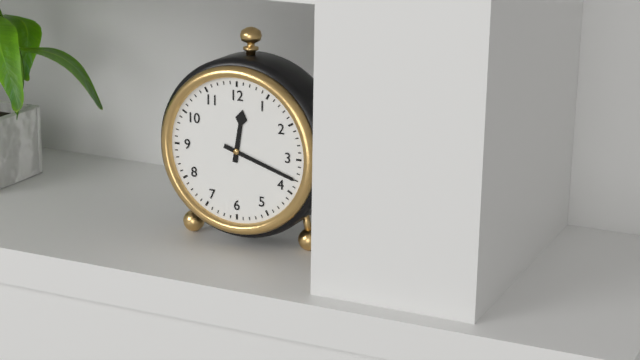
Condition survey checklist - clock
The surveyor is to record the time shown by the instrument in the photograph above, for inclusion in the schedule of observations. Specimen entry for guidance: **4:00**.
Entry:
**12:18**
